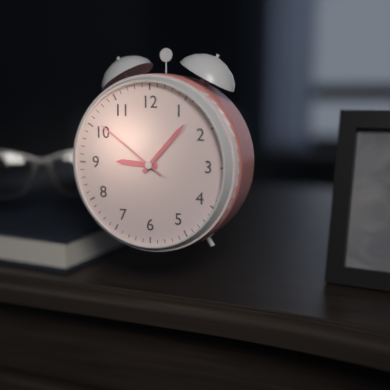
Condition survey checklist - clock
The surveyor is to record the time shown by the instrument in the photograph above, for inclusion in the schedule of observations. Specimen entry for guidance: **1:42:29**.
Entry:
**9:07:51**
